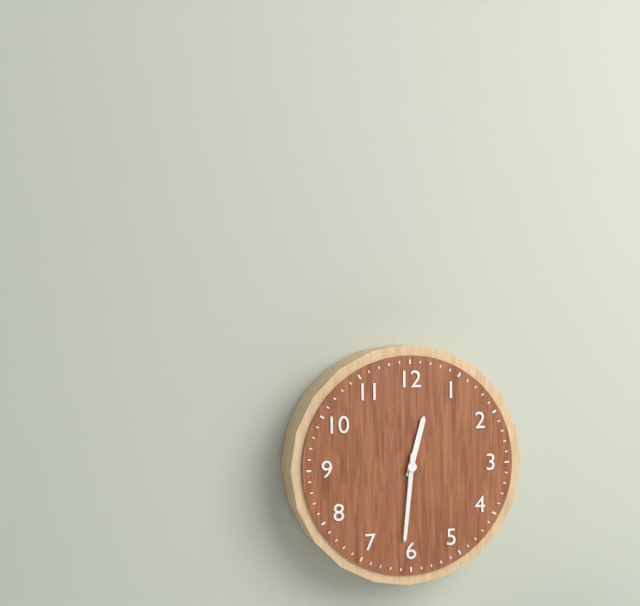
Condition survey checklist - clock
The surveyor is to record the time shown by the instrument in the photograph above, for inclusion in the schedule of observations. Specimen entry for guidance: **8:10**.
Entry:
**12:31**
